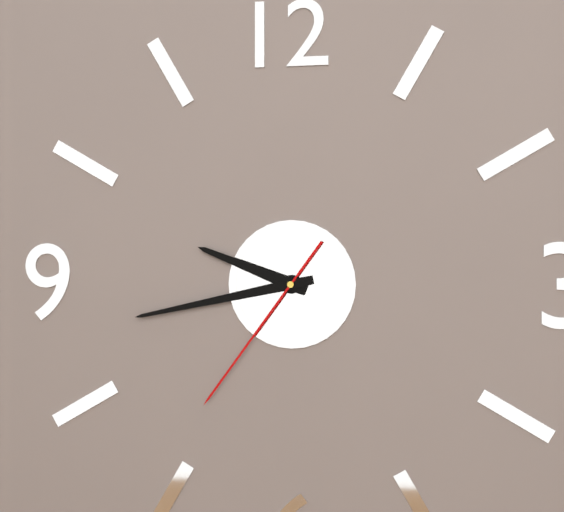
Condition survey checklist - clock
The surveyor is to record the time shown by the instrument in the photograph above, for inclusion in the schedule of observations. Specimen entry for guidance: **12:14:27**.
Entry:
**9:43:36**
